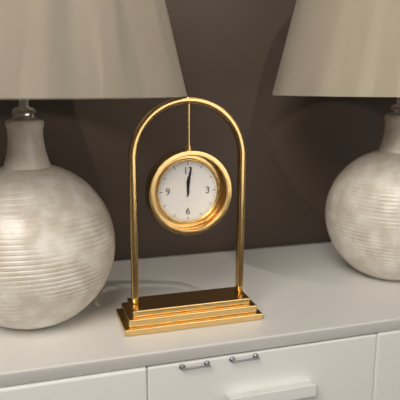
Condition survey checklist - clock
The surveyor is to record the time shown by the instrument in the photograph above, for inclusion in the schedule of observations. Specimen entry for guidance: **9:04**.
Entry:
**12:01**
